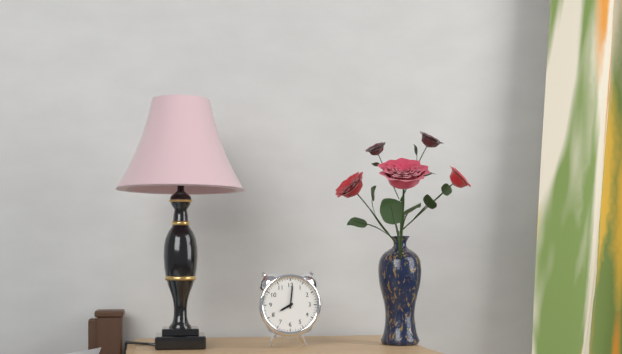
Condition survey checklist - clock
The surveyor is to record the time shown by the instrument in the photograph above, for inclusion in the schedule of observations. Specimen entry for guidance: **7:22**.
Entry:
**8:01**
